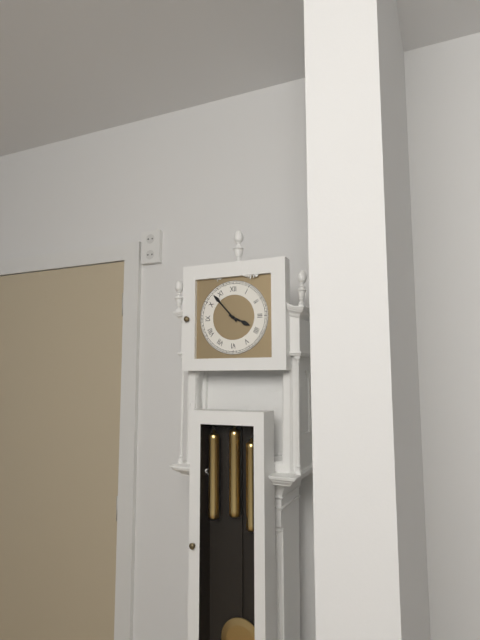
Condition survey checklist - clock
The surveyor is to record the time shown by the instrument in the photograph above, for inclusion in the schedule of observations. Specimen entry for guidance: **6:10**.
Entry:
**3:53**
